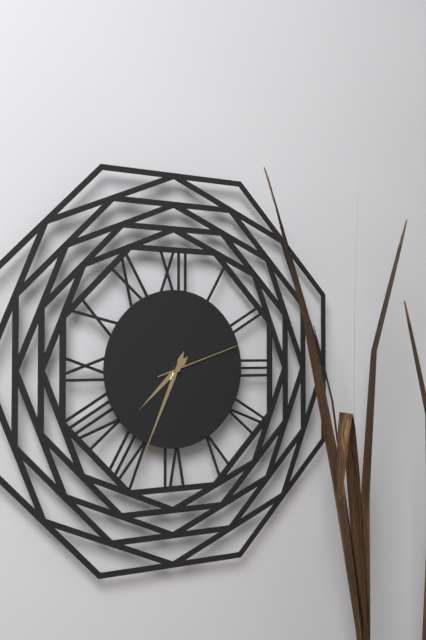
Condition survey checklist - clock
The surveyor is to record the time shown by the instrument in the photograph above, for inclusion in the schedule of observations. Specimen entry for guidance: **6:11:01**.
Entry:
**7:34:12**
